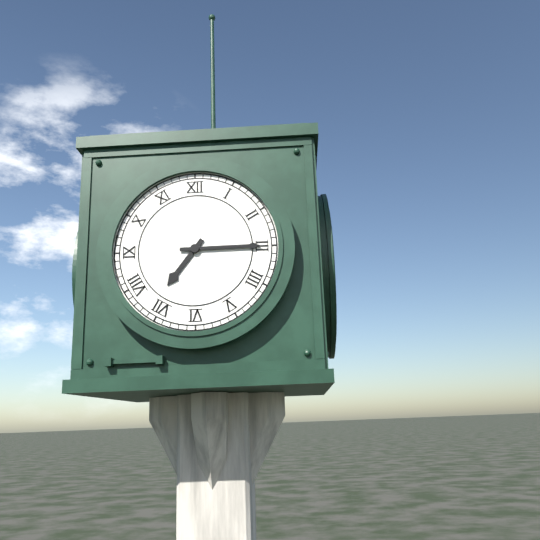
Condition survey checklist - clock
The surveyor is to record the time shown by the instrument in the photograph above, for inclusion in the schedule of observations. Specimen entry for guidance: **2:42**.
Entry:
**7:15**
